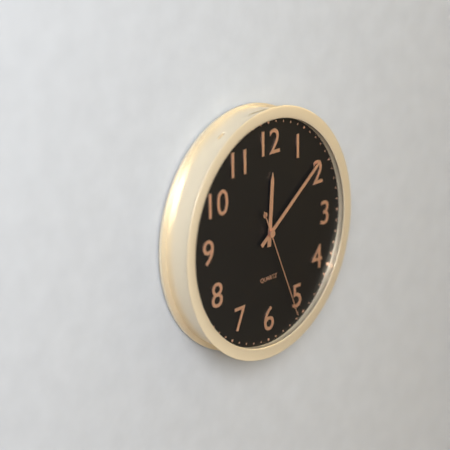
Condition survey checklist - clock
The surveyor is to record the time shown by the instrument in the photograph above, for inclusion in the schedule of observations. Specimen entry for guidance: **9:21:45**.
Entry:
**12:09:26**
